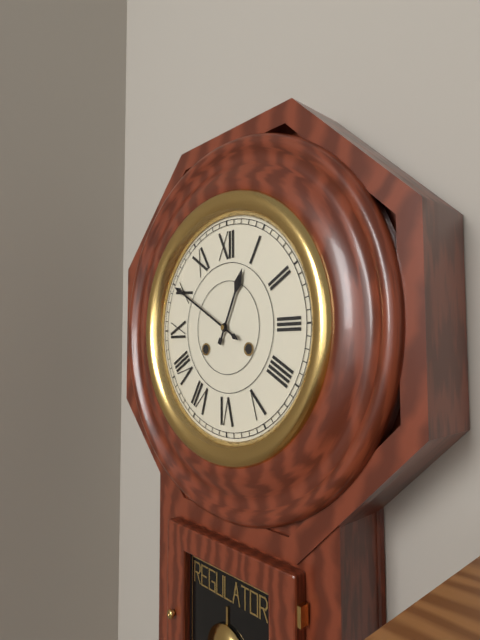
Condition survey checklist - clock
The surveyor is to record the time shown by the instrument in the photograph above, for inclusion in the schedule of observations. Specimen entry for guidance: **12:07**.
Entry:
**12:50**
